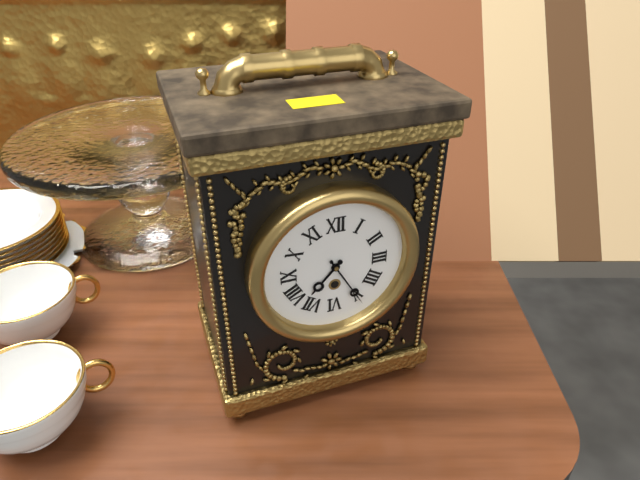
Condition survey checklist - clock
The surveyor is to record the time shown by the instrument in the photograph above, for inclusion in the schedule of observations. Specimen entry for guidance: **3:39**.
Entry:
**7:25**
